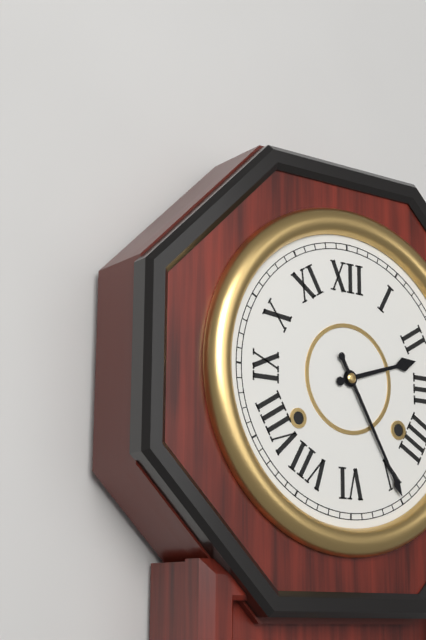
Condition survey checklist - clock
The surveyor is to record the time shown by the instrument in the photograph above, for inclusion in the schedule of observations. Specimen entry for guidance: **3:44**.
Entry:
**2:25**
